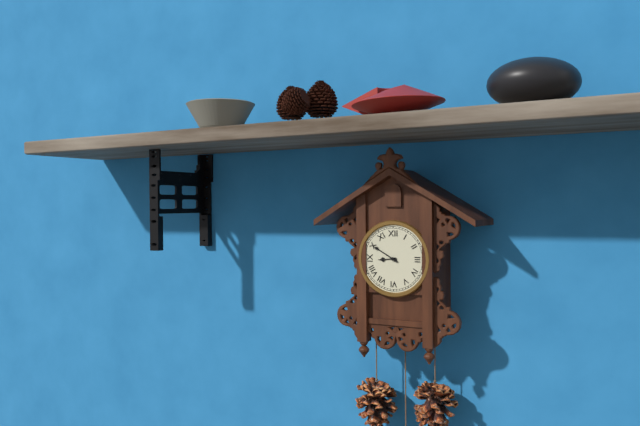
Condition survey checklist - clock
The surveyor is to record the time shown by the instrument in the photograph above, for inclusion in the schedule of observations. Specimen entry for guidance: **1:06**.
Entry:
**8:50**
